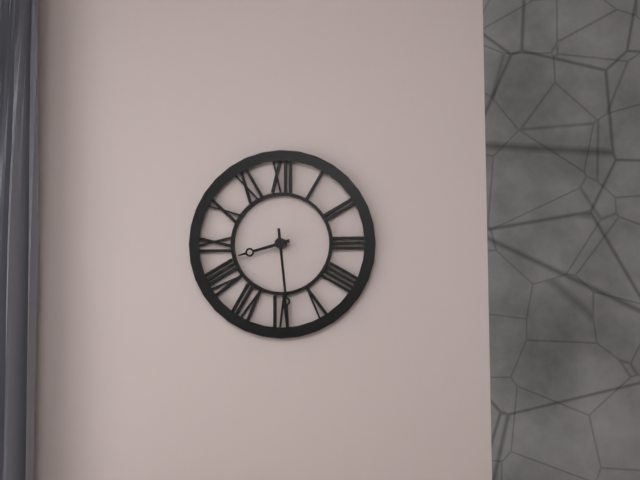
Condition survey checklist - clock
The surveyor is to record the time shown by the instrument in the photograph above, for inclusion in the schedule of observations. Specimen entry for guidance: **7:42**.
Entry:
**8:29**
